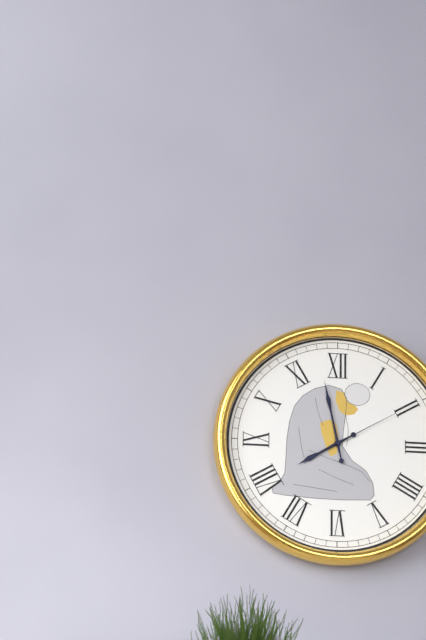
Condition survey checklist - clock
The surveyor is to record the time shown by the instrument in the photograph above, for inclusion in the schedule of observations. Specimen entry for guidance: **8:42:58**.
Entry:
**7:58:10**
